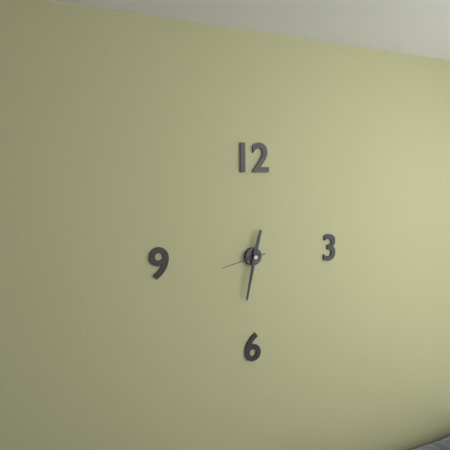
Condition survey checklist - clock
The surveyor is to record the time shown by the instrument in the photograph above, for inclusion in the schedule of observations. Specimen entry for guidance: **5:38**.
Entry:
**12:32**
